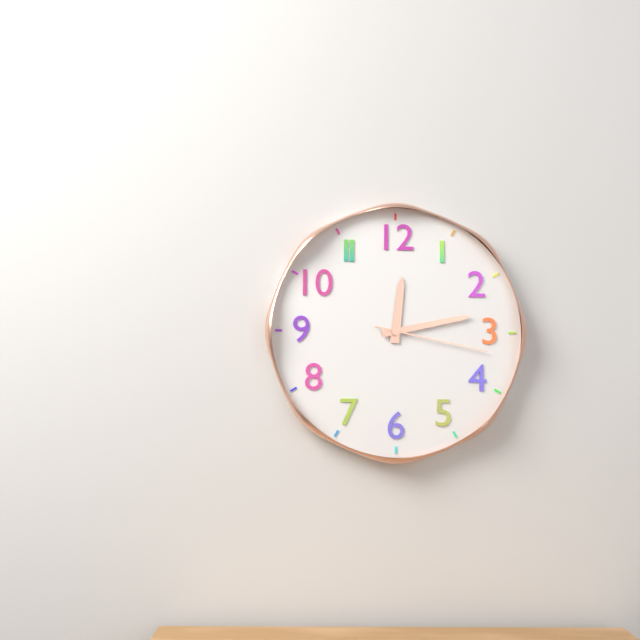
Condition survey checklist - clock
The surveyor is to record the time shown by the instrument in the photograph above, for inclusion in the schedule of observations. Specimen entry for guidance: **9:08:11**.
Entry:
**12:13:17**
